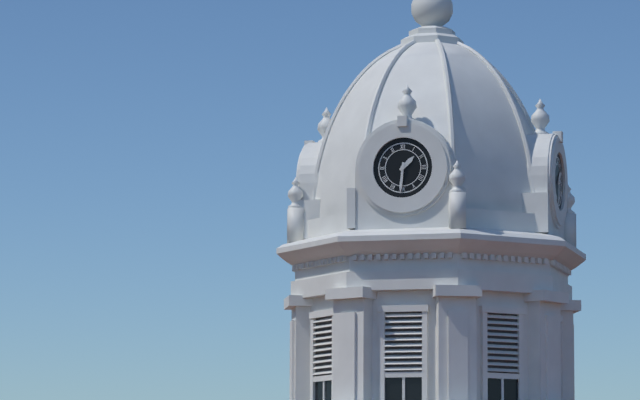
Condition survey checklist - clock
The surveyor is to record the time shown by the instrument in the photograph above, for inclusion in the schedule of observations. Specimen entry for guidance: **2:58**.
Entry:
**1:31**
